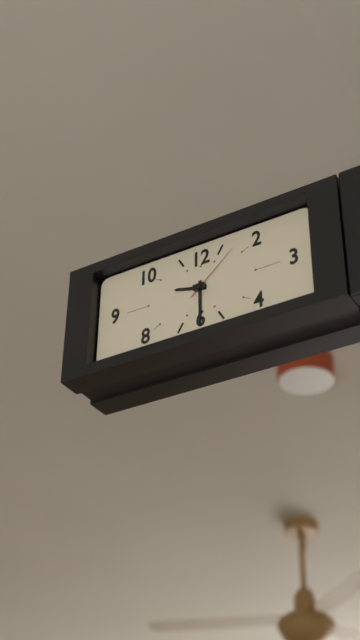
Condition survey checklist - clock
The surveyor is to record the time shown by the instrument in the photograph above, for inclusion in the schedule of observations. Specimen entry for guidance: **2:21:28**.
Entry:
**9:30:08**
